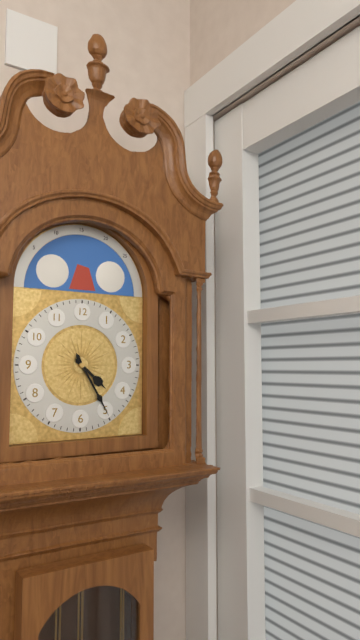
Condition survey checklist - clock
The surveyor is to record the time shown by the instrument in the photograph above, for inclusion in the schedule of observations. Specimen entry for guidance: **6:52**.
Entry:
**4:25**
